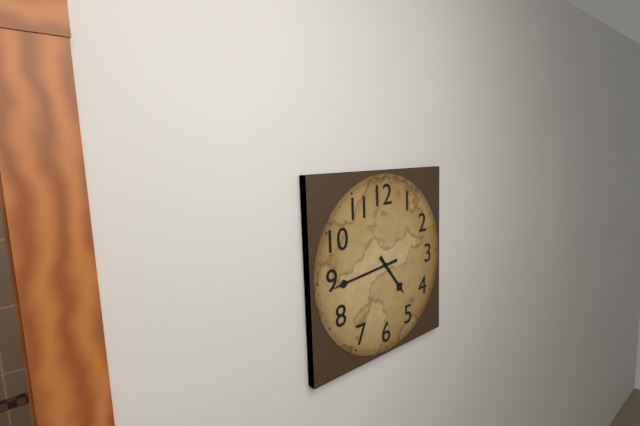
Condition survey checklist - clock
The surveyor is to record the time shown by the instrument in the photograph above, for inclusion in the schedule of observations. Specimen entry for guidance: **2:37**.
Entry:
**4:44**
